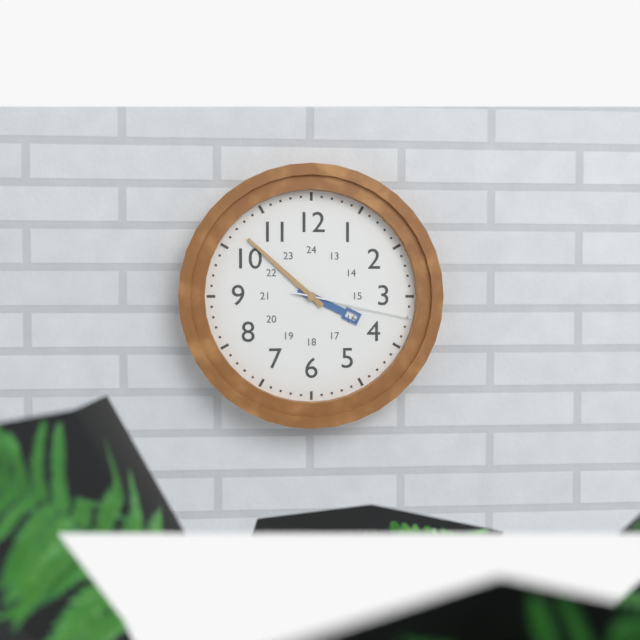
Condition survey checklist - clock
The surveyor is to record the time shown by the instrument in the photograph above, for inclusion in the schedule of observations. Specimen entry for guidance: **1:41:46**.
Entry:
**3:52:17**
